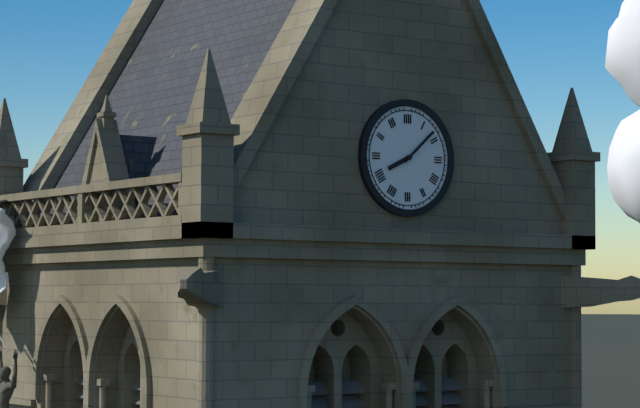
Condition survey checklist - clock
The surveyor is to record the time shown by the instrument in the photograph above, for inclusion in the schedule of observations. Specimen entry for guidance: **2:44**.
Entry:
**8:08**
